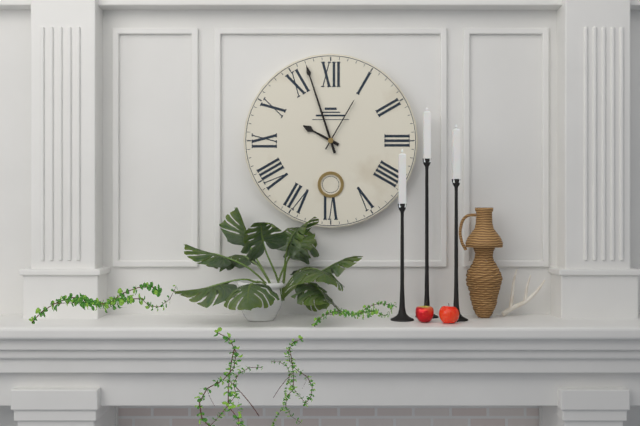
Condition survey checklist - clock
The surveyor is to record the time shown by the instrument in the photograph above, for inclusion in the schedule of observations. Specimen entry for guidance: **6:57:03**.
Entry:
**9:57:05**
